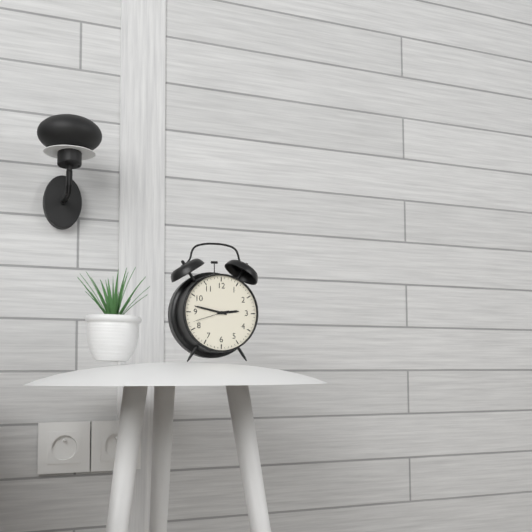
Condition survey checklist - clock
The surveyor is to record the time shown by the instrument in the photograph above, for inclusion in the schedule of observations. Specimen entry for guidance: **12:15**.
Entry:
**2:47**
